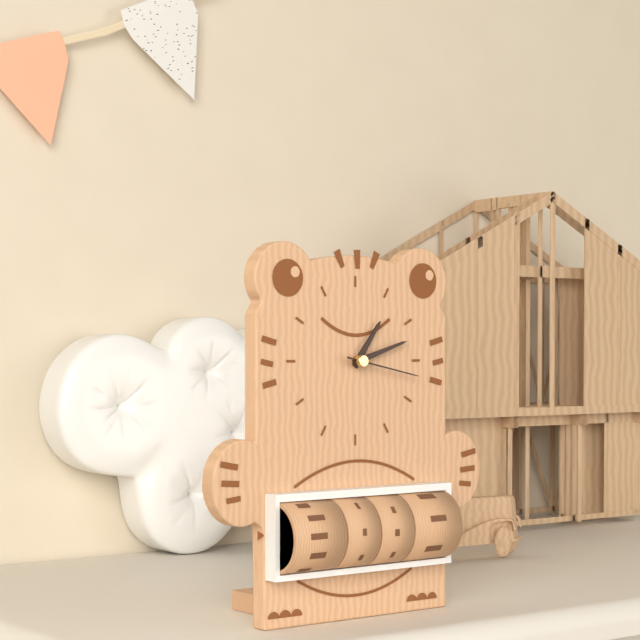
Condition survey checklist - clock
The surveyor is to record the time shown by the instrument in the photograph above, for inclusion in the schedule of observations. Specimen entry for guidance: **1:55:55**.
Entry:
**1:12:17**
